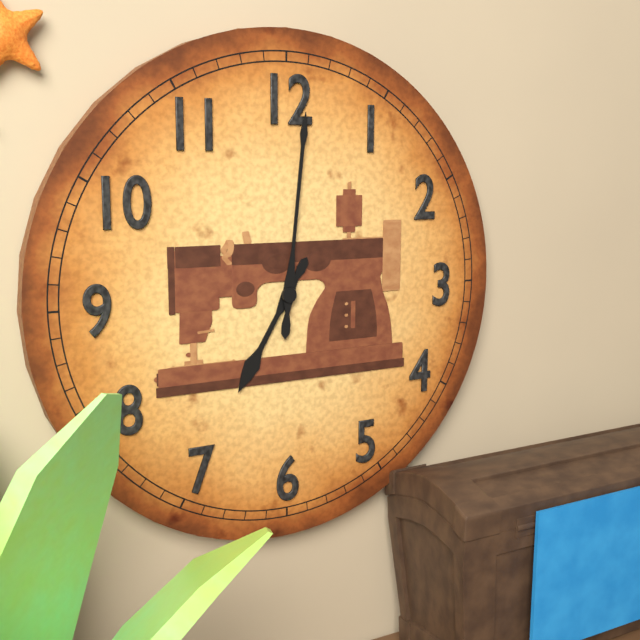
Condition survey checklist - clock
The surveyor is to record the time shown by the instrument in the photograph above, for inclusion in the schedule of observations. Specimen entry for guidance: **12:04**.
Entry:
**7:01**
